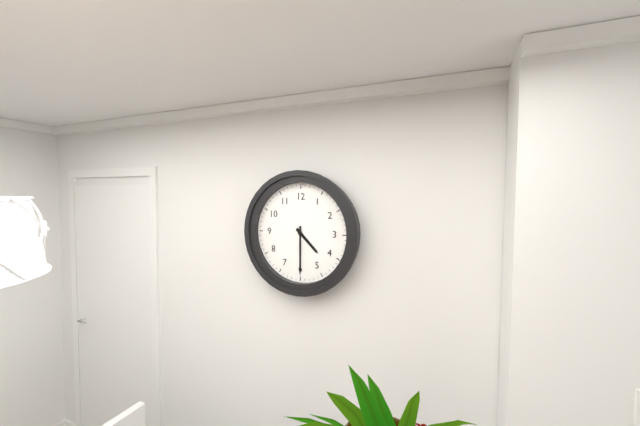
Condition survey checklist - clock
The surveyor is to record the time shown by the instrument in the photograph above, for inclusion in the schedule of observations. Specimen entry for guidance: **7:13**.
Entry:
**4:30**
